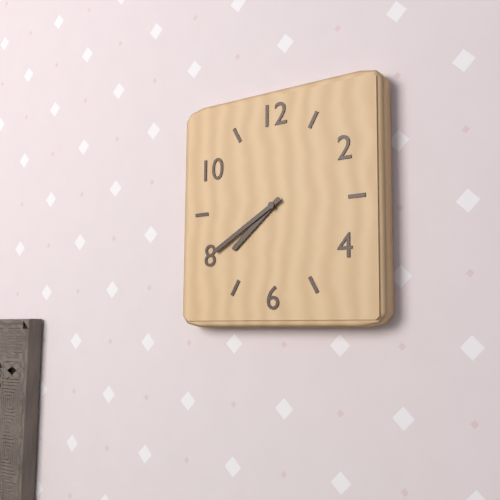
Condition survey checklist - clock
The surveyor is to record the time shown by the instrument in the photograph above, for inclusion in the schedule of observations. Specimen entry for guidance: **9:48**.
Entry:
**7:40**
